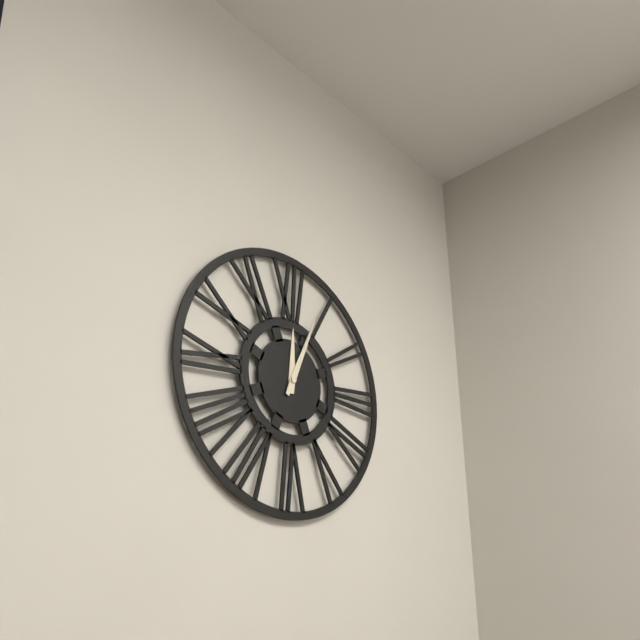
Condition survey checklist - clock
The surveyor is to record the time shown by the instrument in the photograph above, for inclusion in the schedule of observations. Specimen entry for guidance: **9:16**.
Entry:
**12:04**
